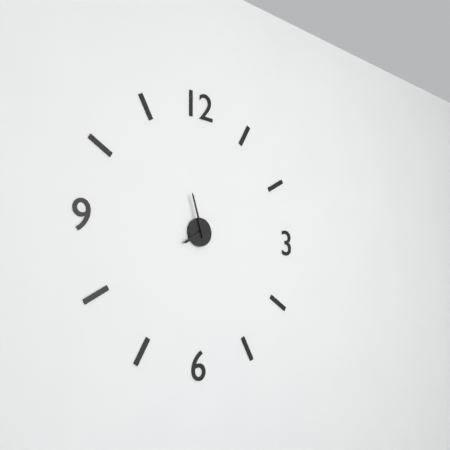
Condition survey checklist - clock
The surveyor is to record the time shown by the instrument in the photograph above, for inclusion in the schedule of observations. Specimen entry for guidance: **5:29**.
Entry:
**7:57**
